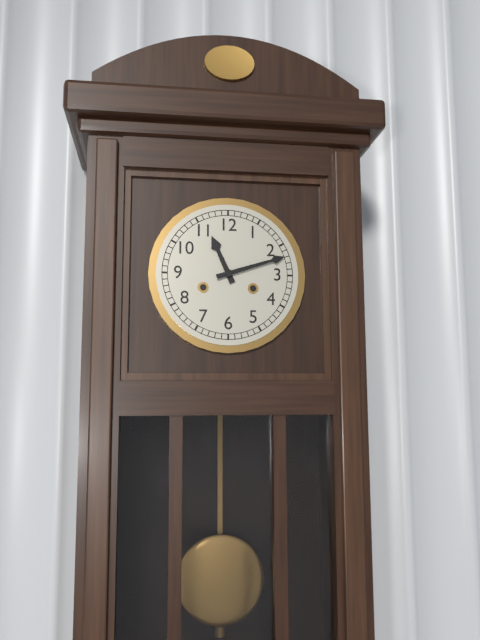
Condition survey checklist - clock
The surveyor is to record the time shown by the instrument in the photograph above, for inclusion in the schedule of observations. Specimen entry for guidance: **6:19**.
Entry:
**11:12**
